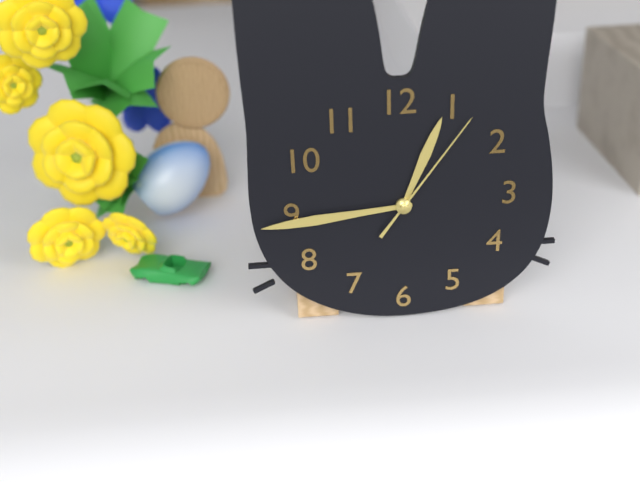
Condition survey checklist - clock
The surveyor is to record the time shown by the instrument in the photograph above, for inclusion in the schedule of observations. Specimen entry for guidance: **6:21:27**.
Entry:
**12:44:06**
